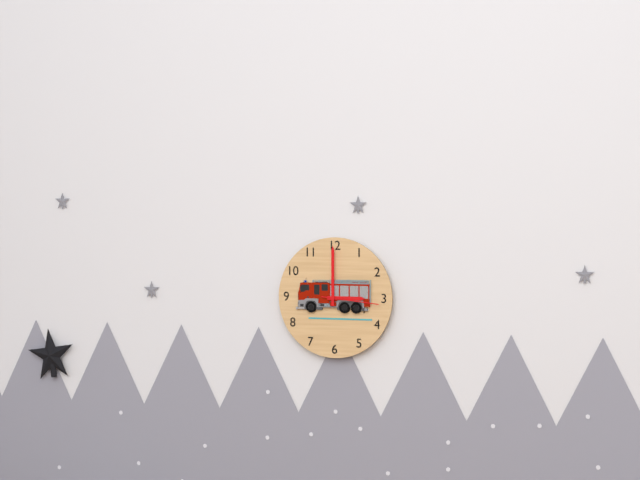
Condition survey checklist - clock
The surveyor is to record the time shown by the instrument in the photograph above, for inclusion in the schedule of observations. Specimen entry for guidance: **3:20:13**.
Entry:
**3:00:16**
